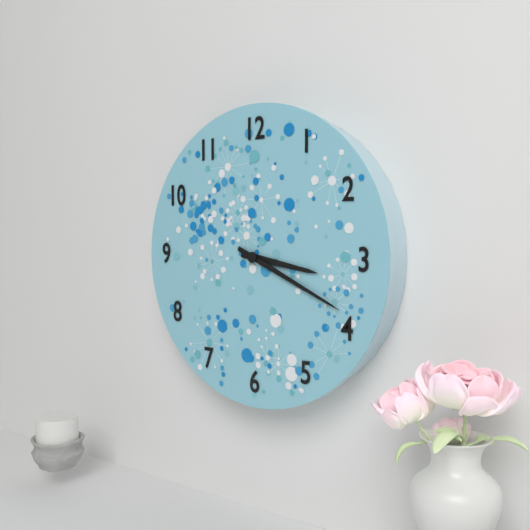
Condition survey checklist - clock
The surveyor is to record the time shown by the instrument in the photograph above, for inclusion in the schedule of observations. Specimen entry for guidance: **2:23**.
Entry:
**3:19**
